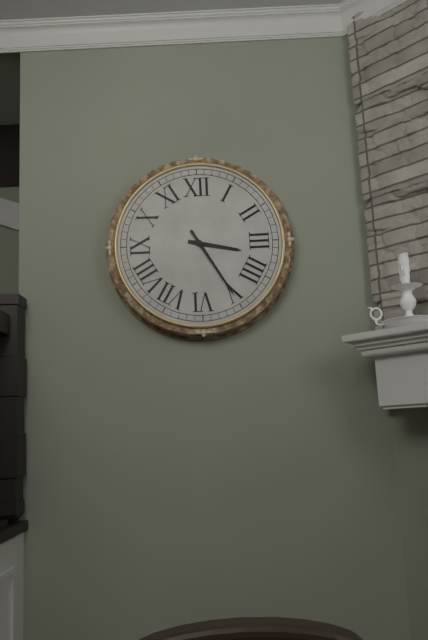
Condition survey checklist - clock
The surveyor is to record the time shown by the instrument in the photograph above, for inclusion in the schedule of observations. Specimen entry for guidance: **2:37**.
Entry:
**3:25**
